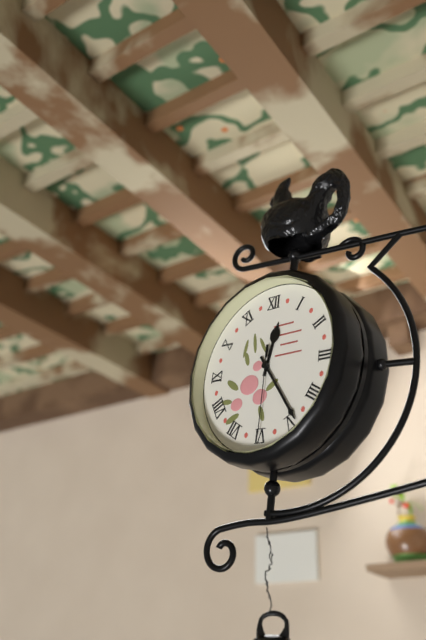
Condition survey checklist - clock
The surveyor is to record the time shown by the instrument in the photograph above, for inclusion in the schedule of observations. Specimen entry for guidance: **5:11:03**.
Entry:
**12:24:30**
